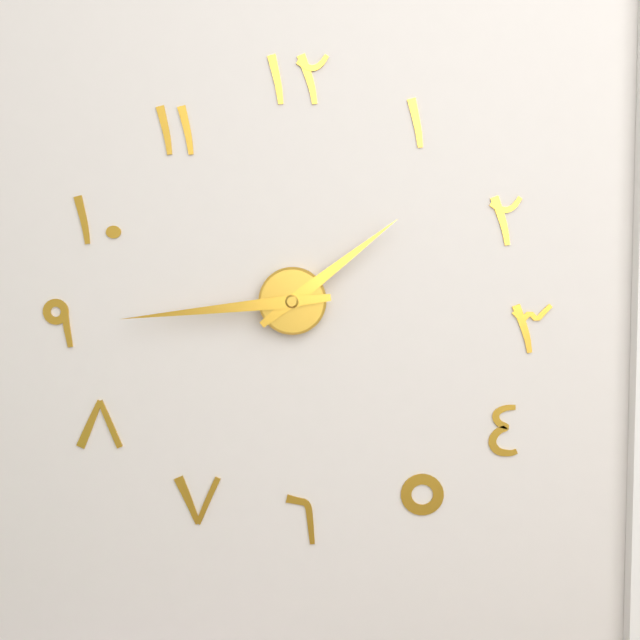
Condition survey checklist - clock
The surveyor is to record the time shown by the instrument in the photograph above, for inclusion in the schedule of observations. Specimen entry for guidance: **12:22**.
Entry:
**1:44**
